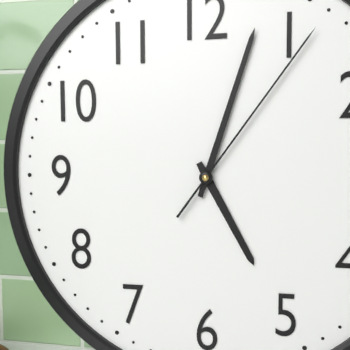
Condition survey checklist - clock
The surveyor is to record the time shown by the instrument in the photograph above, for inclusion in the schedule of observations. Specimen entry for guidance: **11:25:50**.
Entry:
**5:03:06**
